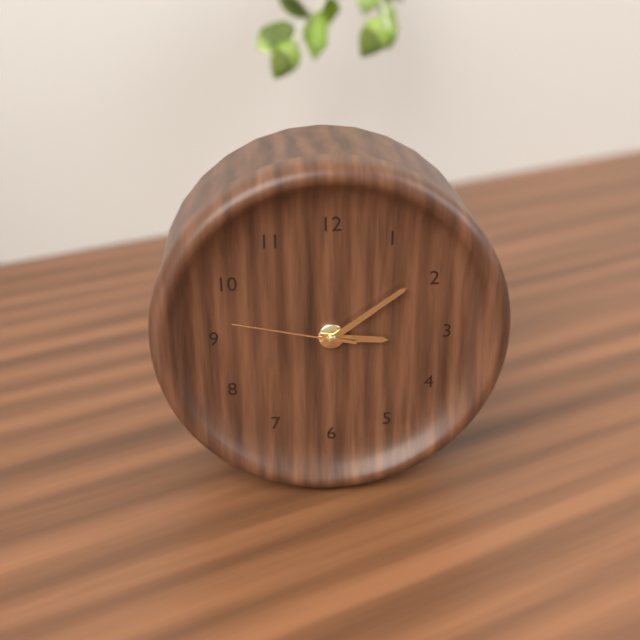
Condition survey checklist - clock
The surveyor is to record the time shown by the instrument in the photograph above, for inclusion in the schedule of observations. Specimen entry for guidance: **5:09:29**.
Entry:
**3:09:47**
